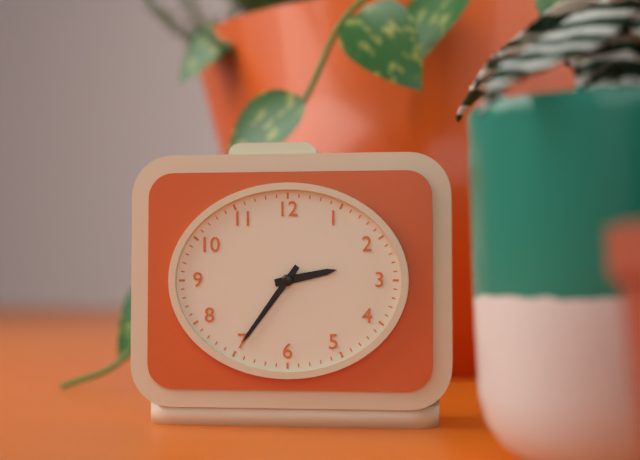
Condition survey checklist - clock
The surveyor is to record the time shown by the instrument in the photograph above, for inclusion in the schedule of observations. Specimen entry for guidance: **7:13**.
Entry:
**2:36**
